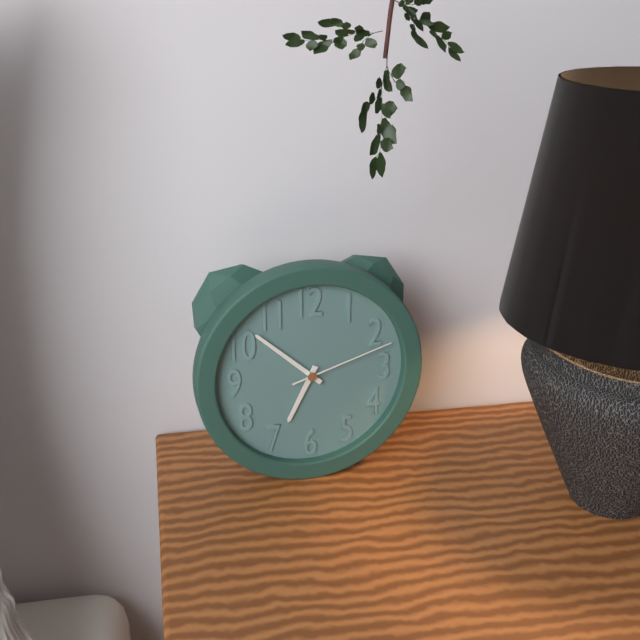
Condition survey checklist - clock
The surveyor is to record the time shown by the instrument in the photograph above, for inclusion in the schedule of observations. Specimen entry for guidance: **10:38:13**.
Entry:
**6:52:12**
